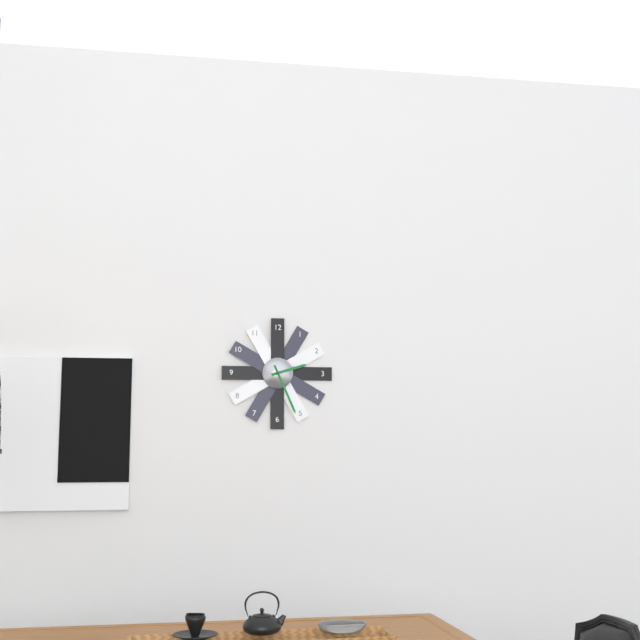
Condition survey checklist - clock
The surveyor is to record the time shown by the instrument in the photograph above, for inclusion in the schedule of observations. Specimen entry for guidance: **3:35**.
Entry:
**2:26**
